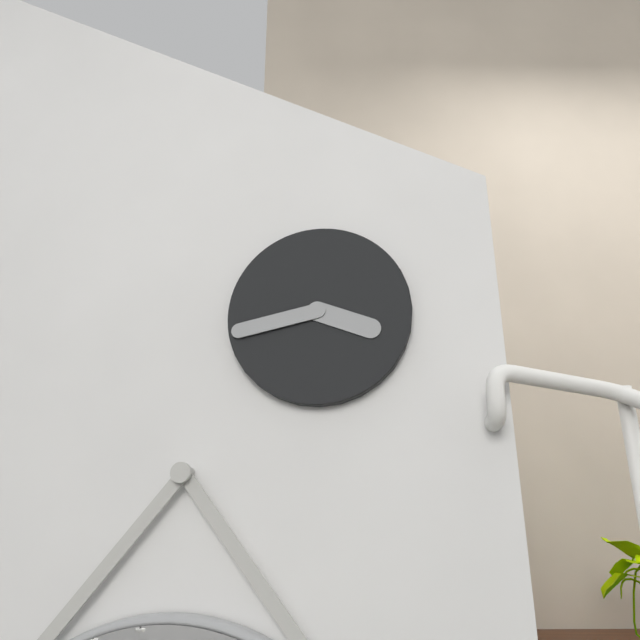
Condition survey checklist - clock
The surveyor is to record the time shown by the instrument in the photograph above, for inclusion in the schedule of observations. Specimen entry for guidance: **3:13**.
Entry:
**3:43**
